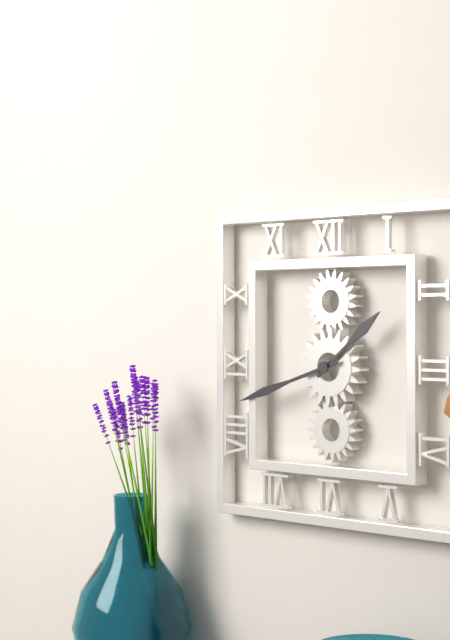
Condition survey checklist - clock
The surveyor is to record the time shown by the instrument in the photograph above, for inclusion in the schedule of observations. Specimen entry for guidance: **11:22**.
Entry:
**1:42**
